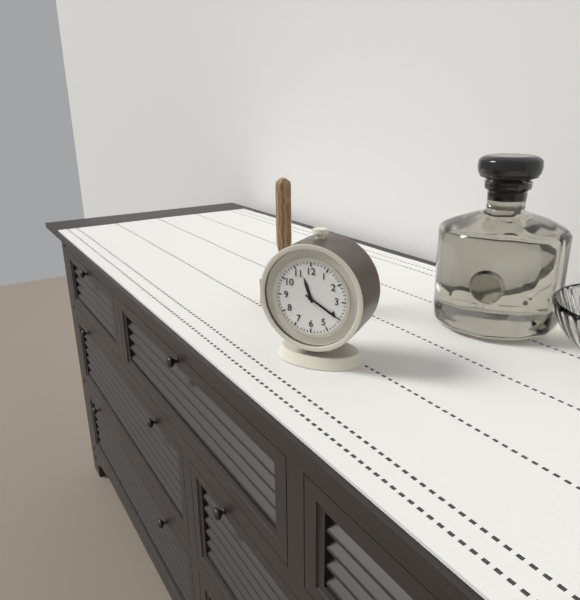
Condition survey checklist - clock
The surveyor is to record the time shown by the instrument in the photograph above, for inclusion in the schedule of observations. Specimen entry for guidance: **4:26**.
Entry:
**11:20**
